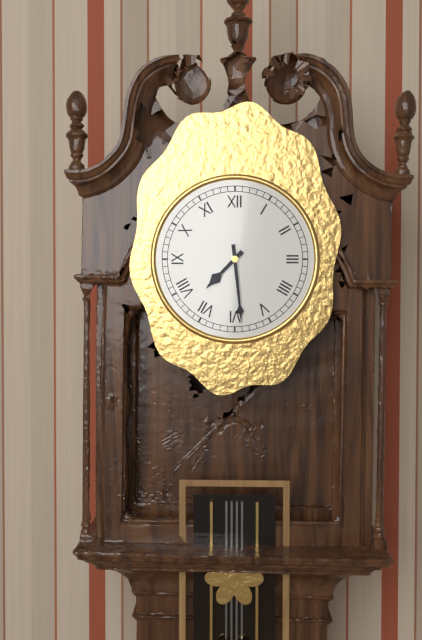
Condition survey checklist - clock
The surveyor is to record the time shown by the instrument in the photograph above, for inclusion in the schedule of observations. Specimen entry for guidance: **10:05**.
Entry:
**7:29**
